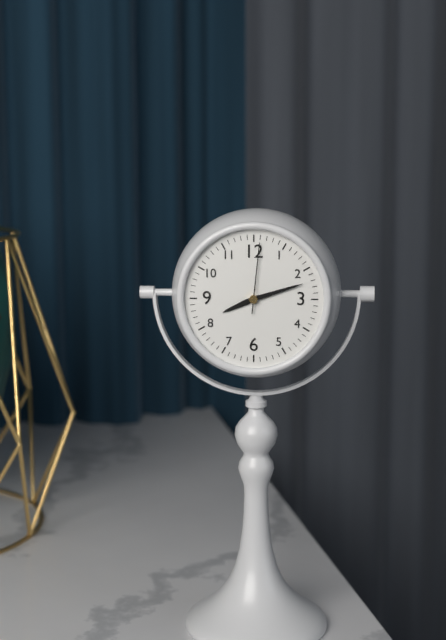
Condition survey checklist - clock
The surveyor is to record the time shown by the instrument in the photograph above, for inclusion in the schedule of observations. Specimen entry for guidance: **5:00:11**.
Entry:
**8:12:01**
